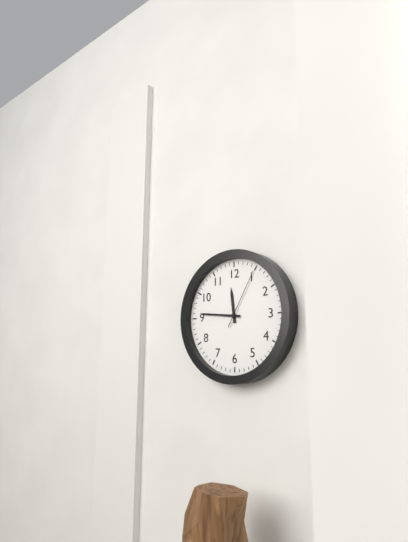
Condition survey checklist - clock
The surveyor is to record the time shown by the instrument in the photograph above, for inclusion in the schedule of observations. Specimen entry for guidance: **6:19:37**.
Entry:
**11:46:05**
